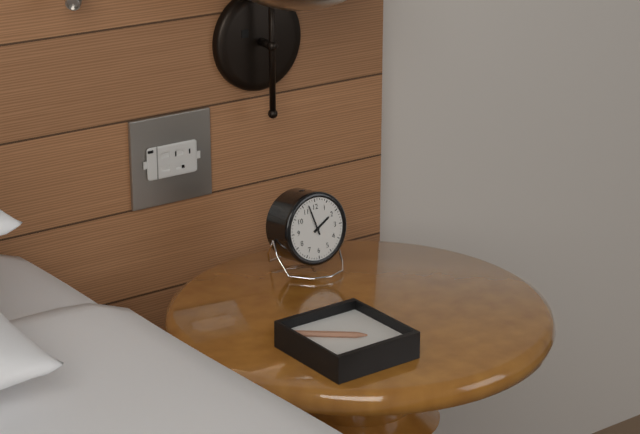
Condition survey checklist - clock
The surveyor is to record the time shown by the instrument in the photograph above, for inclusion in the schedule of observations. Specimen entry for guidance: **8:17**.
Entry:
**1:57**
